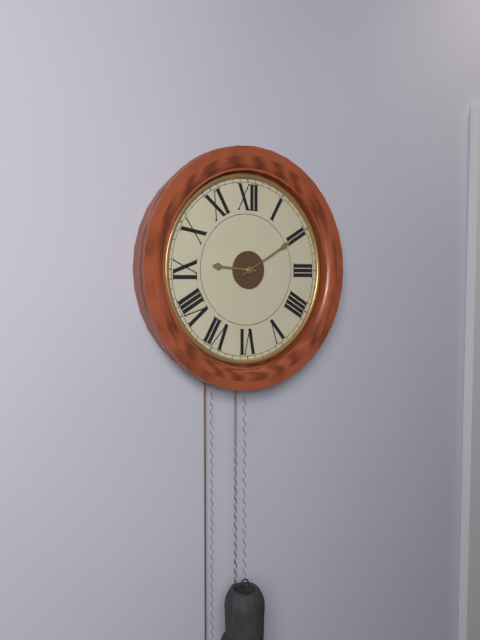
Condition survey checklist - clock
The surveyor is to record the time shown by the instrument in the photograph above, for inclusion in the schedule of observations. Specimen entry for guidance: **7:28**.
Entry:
**9:10**
